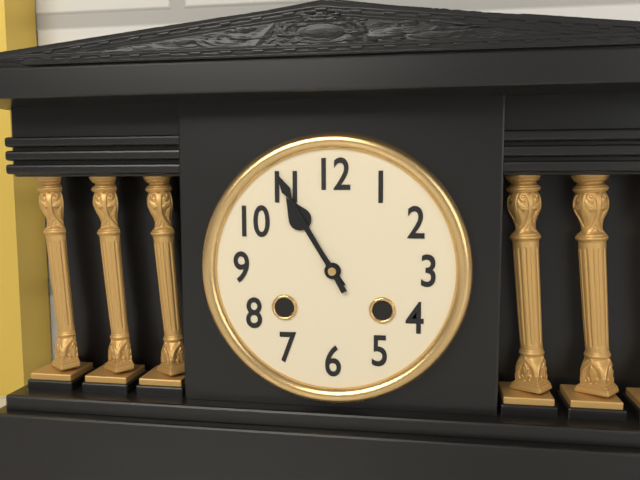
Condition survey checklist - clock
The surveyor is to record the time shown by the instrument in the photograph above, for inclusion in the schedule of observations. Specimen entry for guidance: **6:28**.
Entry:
**10:55**
